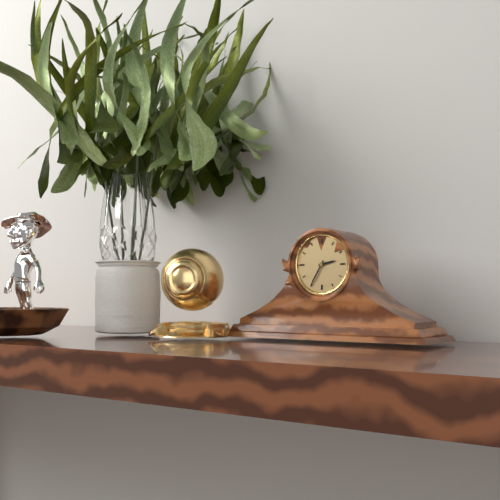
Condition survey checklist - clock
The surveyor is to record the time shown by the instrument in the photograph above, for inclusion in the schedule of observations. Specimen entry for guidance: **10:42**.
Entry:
**2:35**
